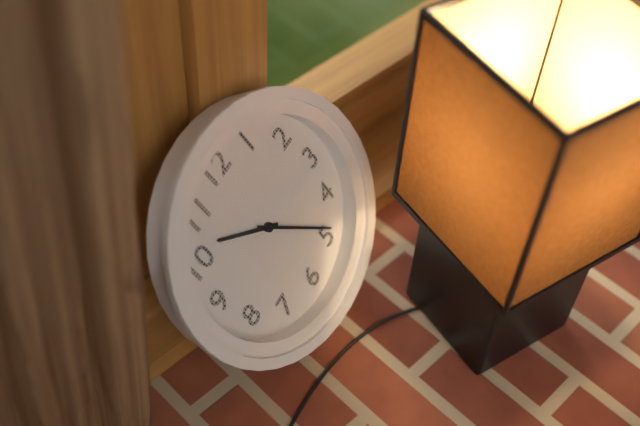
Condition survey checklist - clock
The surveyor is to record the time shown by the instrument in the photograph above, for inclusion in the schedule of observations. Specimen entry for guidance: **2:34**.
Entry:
**10:24**
